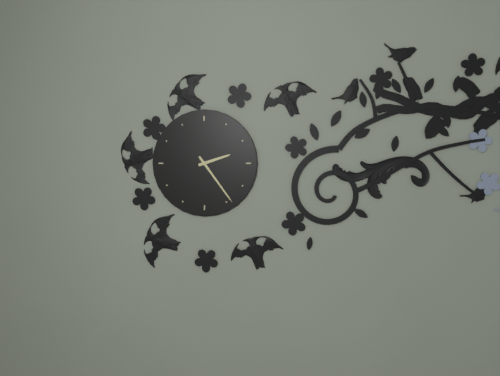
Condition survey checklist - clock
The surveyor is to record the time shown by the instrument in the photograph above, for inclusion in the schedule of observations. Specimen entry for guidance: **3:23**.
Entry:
**2:24**
